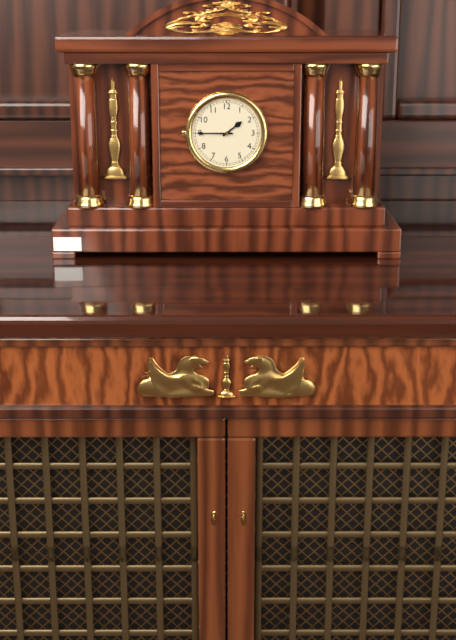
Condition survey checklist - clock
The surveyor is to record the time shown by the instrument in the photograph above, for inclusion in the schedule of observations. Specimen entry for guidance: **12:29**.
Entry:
**1:45**
